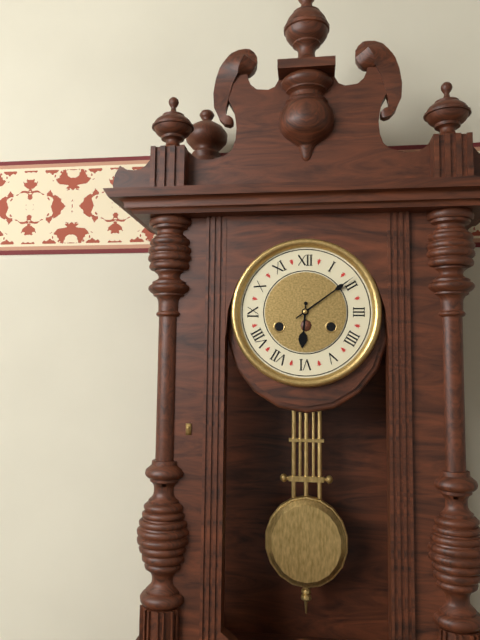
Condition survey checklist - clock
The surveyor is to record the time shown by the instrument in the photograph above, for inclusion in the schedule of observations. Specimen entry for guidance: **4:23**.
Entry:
**6:09**
